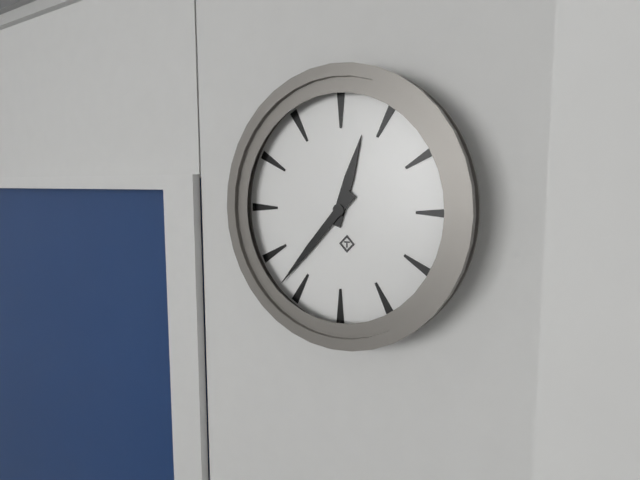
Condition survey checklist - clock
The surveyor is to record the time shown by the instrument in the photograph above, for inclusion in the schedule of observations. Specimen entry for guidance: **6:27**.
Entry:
**12:37**
